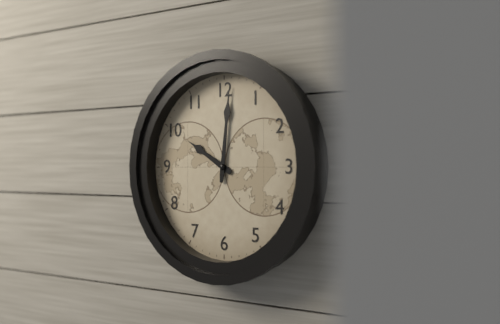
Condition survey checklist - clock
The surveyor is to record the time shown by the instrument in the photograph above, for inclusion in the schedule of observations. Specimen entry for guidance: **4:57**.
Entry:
**10:01**
